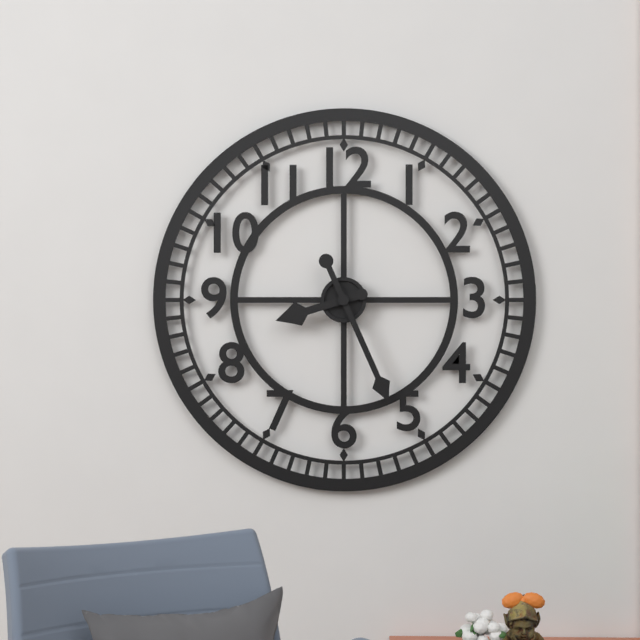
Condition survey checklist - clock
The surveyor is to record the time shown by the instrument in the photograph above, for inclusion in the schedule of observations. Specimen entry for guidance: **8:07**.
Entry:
**8:26**
